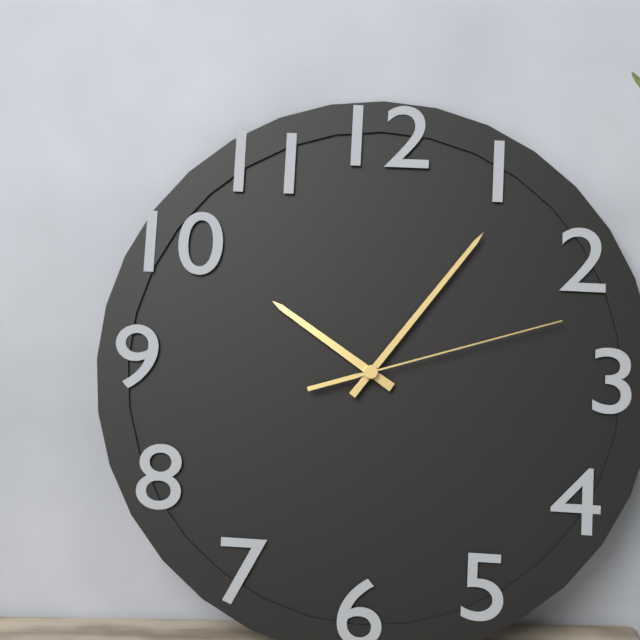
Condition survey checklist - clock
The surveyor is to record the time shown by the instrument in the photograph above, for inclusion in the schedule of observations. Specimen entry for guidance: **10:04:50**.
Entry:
**10:06:12**
